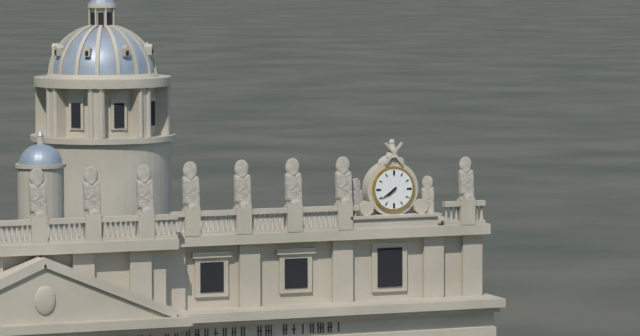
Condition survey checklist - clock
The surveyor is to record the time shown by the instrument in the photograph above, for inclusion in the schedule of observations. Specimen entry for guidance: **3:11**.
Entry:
**7:39**
